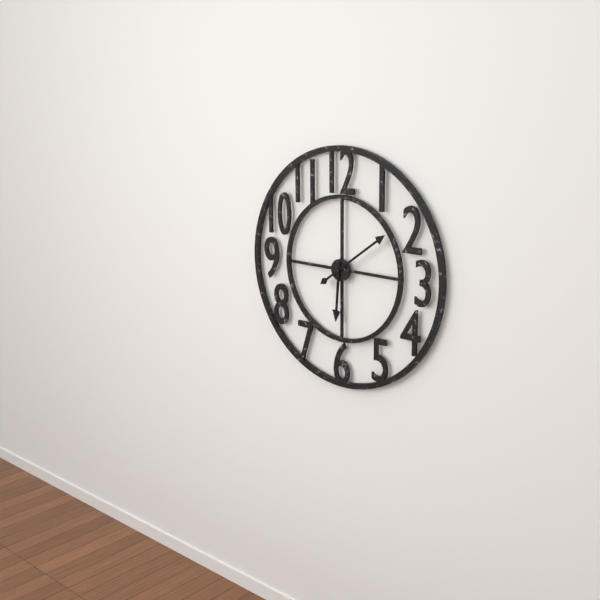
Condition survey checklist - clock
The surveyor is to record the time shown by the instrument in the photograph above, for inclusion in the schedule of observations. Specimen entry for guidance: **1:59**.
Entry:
**6:09**
